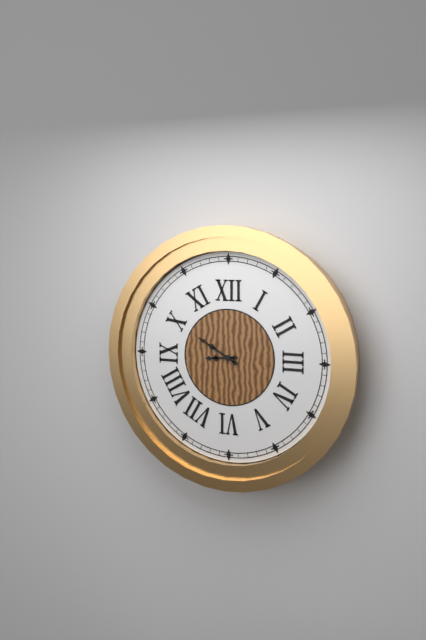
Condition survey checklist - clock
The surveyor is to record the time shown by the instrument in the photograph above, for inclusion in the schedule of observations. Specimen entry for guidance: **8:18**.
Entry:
**8:50**
